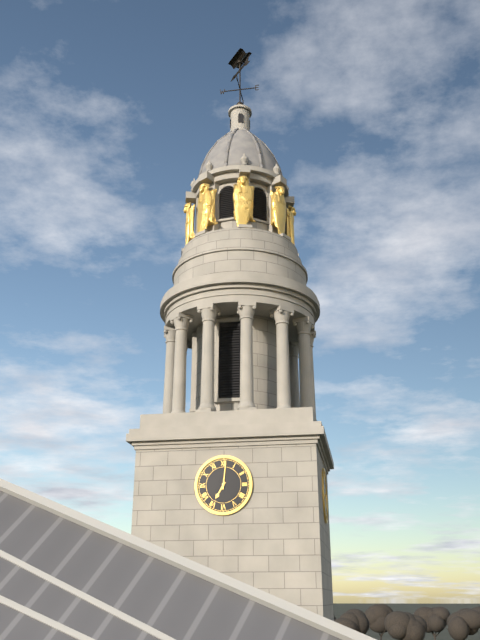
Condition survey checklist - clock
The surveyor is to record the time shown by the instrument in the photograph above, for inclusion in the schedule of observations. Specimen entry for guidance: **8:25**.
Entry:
**7:01**
